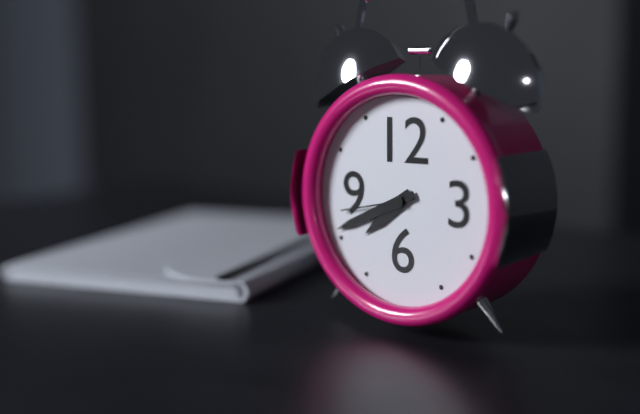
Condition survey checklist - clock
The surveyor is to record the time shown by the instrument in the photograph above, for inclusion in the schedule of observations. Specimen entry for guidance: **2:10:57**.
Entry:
**7:41:43**
